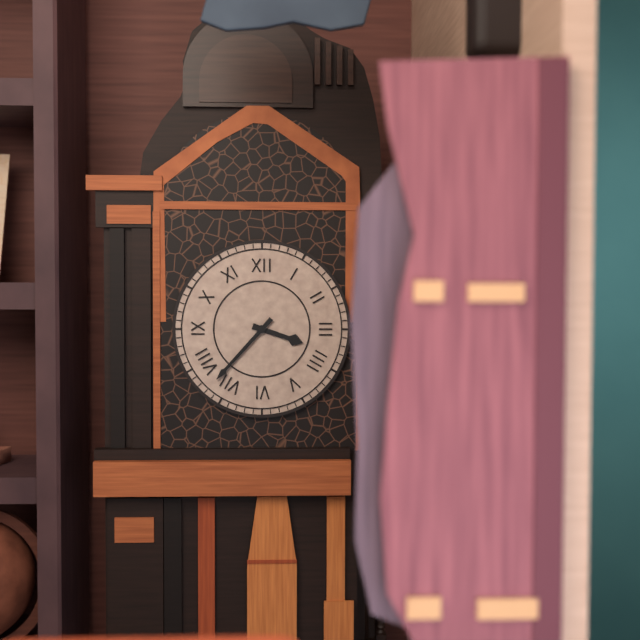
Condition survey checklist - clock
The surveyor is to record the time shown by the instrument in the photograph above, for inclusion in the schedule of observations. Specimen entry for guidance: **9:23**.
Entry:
**3:37**
